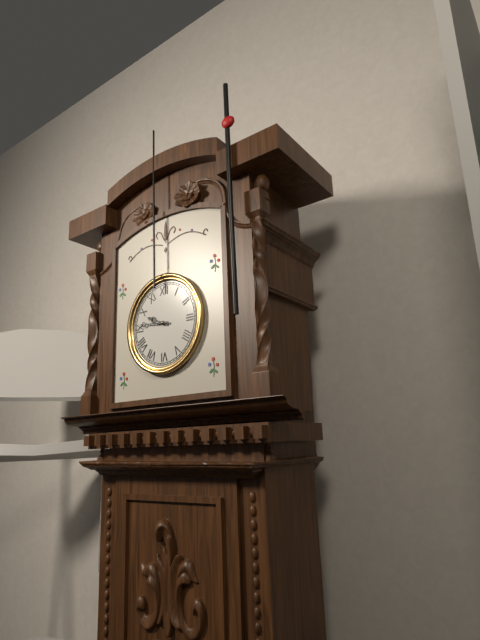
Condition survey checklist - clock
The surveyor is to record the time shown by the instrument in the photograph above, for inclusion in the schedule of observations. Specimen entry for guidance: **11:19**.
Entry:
**9:46**
